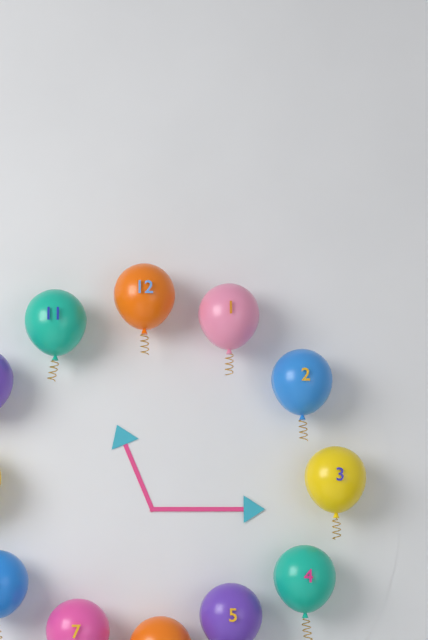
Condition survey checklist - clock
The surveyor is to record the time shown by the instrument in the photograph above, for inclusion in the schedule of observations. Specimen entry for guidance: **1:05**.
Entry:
**11:15**
